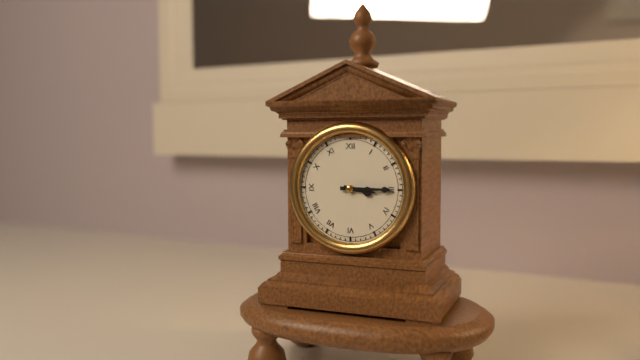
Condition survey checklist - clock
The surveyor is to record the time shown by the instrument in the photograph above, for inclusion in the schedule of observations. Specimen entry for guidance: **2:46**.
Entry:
**3:15**
